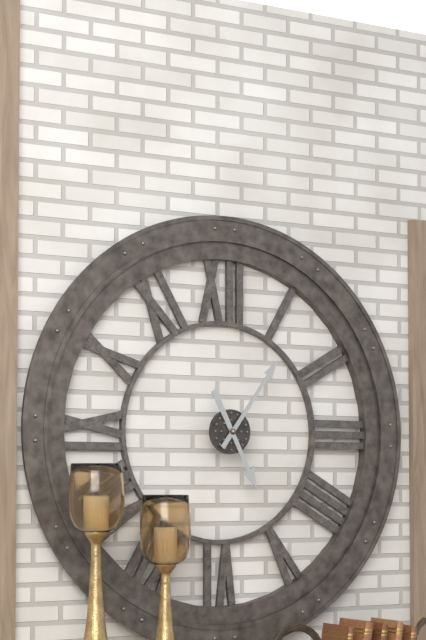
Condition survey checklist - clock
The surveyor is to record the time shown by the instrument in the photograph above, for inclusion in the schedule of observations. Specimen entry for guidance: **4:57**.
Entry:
**5:06**
